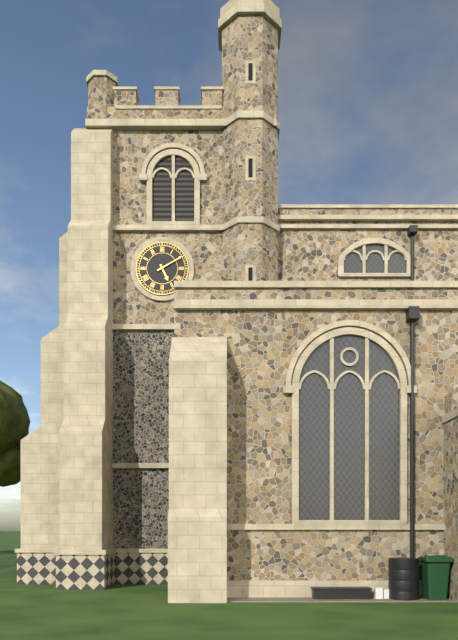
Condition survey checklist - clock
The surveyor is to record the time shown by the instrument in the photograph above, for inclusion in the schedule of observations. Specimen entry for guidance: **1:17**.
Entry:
**5:10**
